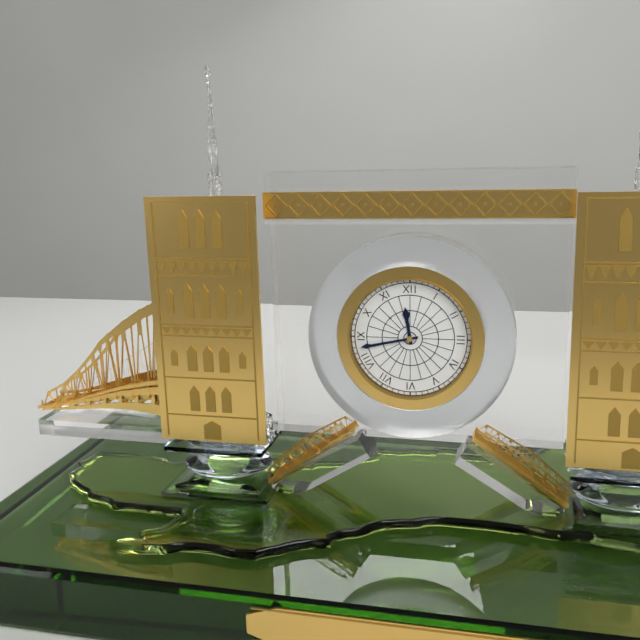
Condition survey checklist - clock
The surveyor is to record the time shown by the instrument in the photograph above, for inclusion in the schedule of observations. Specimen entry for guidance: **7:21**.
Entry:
**11:43**
